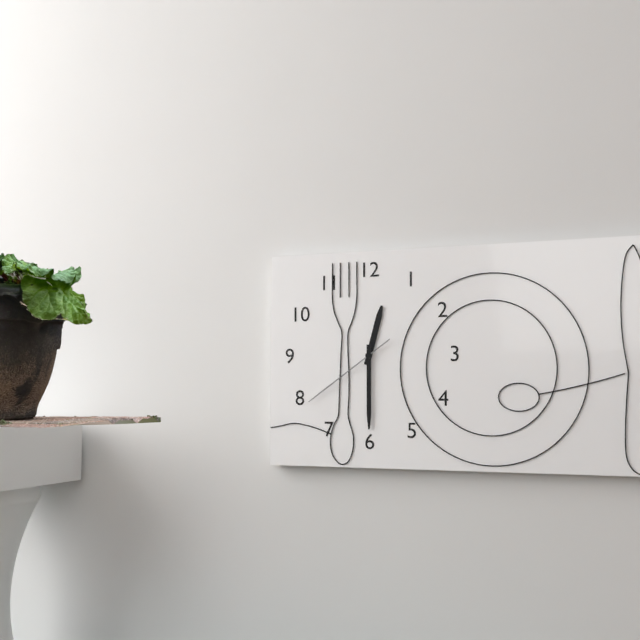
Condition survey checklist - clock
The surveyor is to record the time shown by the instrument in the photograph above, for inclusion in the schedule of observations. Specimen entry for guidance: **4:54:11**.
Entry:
**12:30:39**
